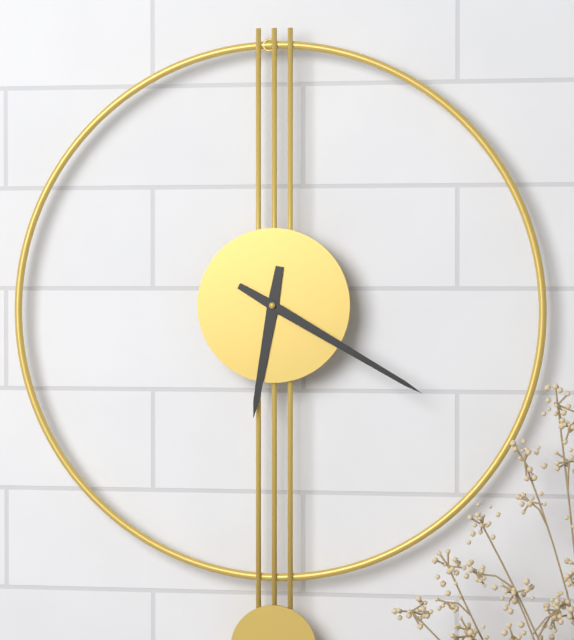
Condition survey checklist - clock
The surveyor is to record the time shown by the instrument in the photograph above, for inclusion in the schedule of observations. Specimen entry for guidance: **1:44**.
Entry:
**6:20**
